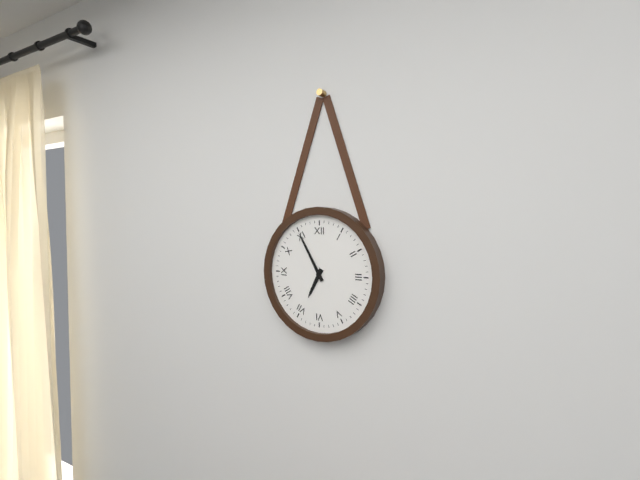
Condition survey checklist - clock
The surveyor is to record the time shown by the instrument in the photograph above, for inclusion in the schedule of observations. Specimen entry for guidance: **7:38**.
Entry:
**6:55**
